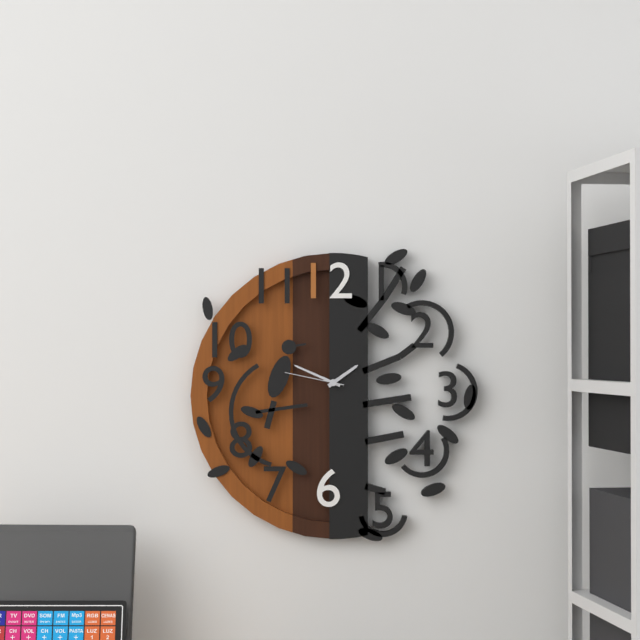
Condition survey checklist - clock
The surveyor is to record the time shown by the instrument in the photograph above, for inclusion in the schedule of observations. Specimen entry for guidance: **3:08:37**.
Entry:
**1:49:47**
